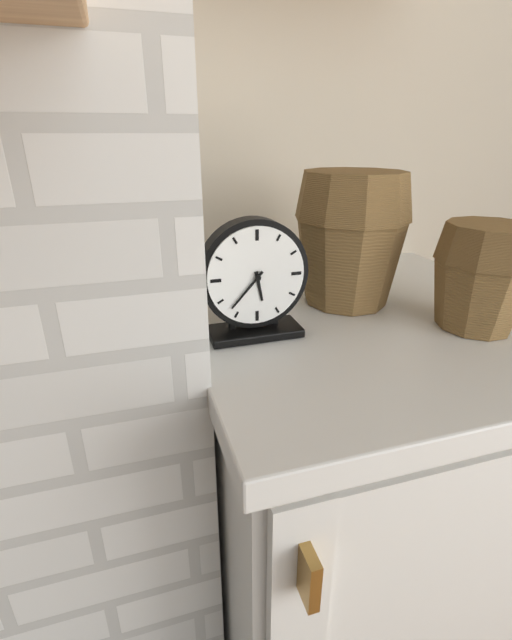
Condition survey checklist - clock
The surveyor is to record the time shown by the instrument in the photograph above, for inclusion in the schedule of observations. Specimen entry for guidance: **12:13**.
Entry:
**5:37**
